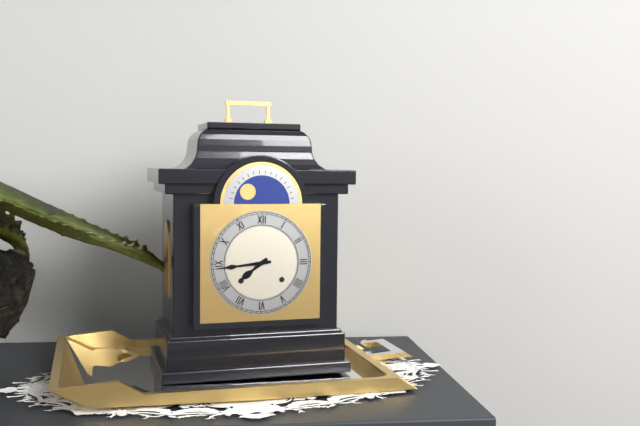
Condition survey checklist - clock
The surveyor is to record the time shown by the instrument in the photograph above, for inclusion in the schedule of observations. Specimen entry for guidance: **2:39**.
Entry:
**7:44**
